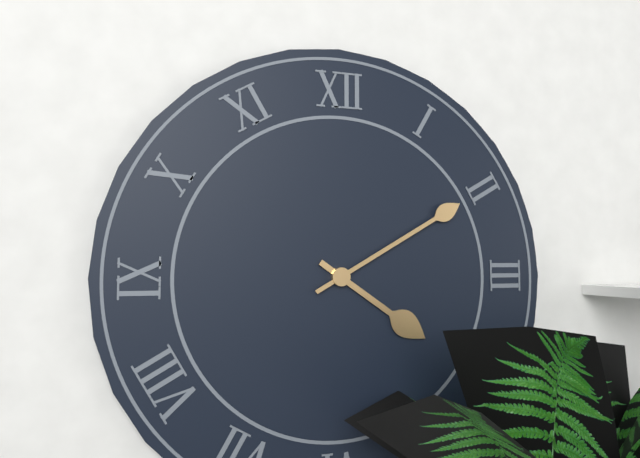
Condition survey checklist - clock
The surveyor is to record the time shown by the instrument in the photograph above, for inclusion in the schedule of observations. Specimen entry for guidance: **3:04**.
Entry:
**4:10**
